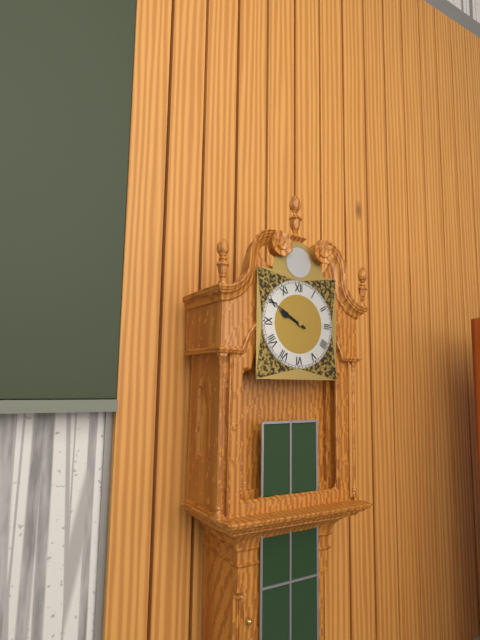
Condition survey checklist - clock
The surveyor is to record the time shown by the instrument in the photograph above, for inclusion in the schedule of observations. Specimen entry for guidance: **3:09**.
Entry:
**9:50**
